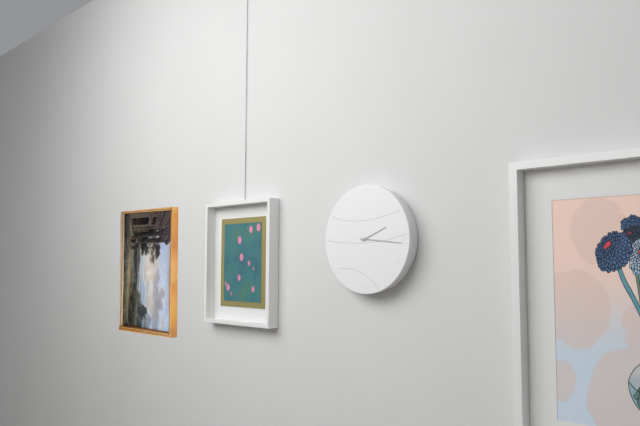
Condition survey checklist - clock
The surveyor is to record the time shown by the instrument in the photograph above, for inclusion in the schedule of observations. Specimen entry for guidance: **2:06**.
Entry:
**2:16**
